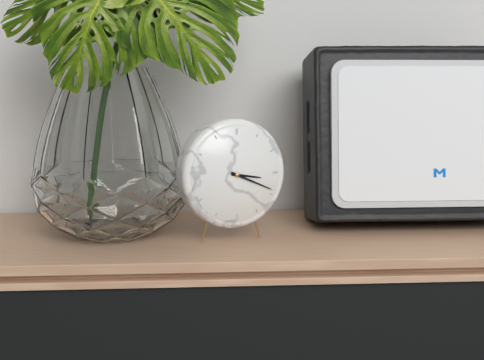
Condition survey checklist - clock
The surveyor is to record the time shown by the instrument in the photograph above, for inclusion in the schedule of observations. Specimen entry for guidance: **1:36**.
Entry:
**3:19**
